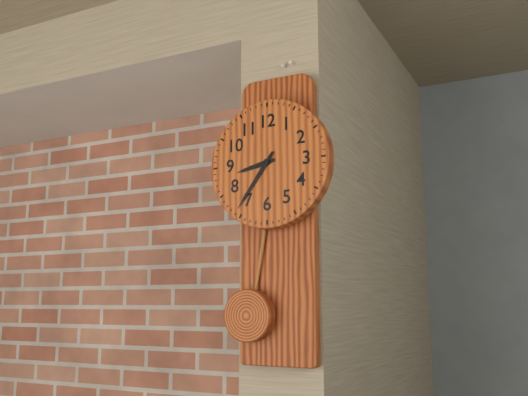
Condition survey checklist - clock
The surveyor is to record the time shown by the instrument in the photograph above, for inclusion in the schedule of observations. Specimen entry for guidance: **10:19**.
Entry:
**8:36**
